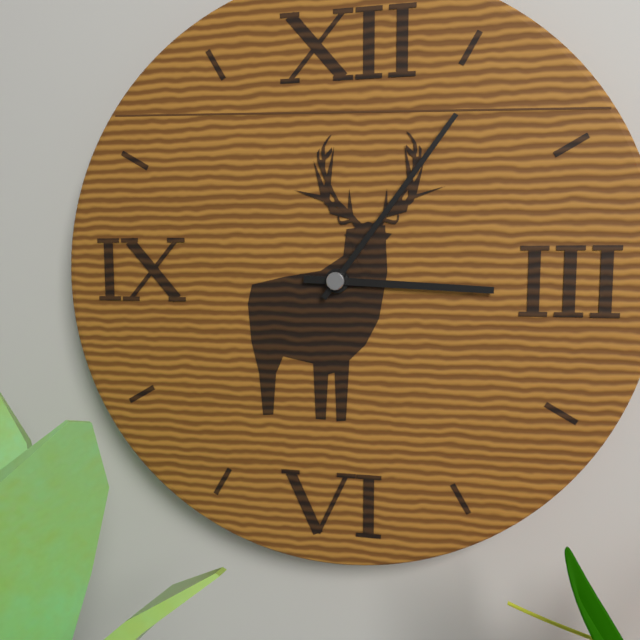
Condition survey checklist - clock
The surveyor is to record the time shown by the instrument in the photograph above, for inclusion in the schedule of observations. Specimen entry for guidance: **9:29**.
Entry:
**3:06**
